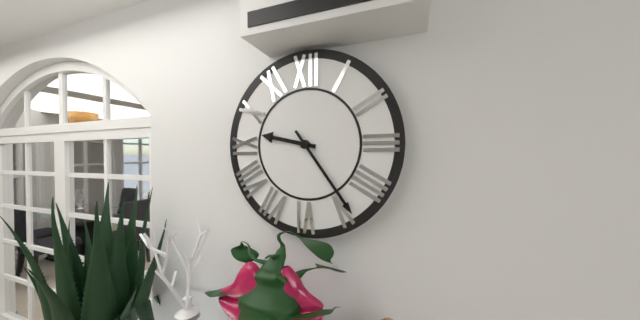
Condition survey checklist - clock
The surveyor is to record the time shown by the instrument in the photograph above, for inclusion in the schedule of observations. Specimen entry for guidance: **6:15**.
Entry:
**9:24**
